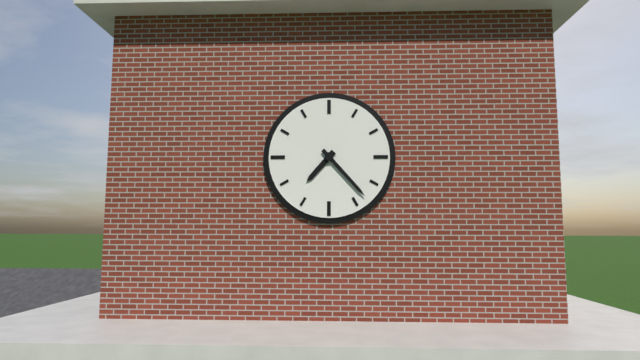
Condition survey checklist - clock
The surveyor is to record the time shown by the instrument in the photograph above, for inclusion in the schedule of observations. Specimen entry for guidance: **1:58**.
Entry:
**7:23**
